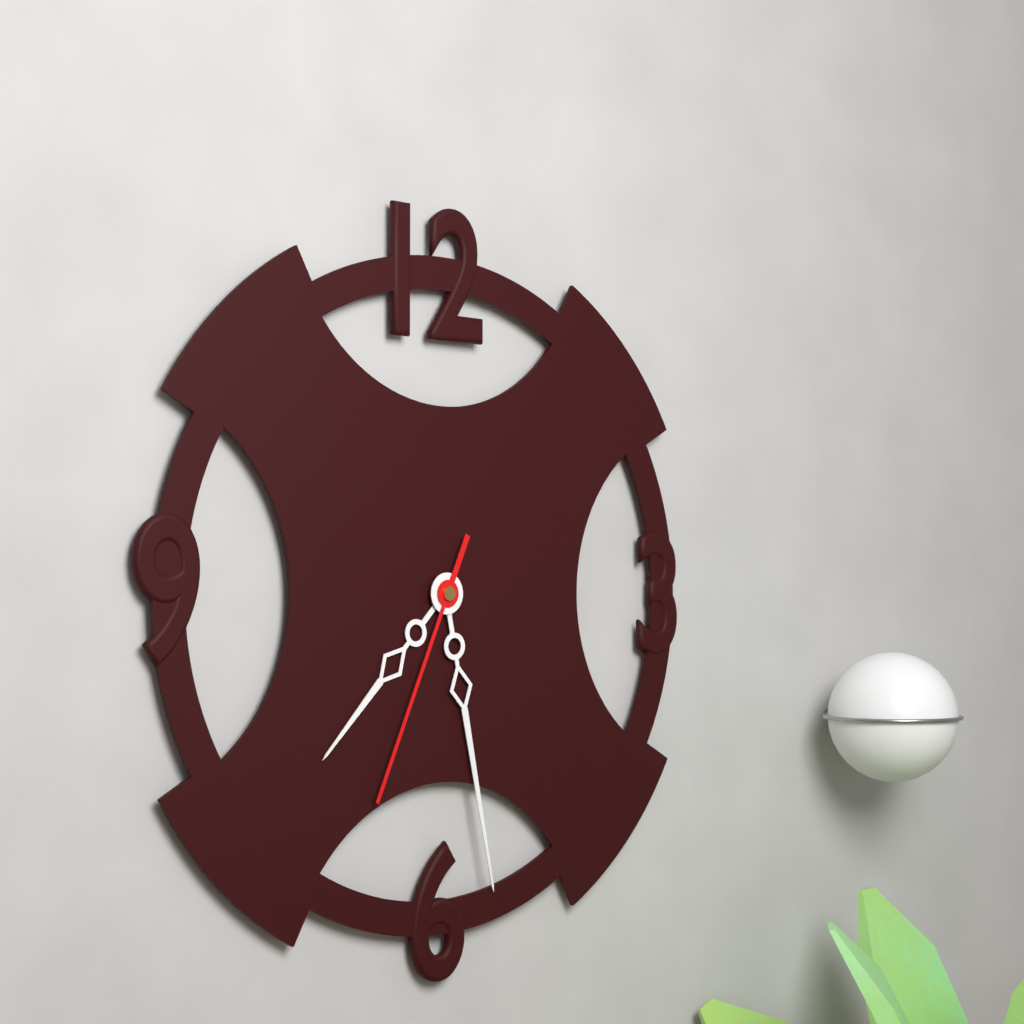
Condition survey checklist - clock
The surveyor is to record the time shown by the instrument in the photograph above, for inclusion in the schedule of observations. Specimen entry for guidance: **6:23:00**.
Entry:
**7:28:34**
